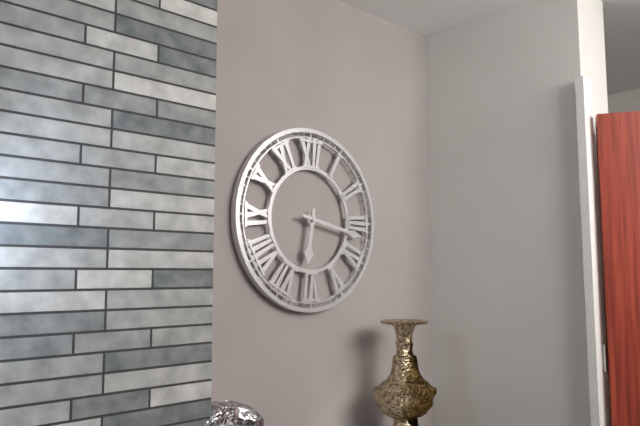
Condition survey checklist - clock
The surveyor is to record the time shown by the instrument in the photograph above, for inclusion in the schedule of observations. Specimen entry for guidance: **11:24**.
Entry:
**6:17**
